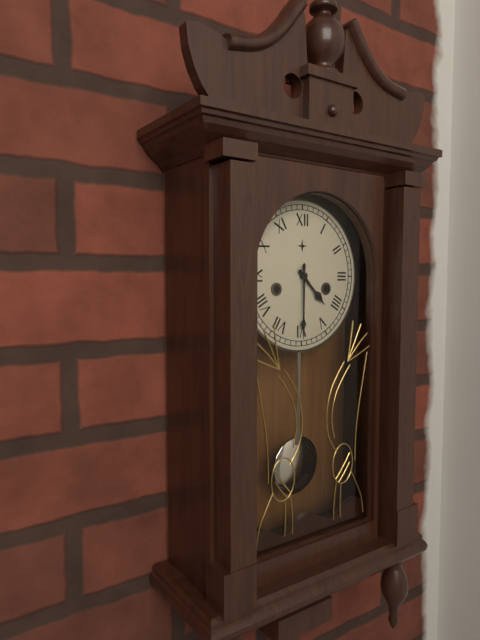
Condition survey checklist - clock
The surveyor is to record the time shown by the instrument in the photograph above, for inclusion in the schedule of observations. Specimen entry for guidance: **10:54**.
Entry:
**4:30**
